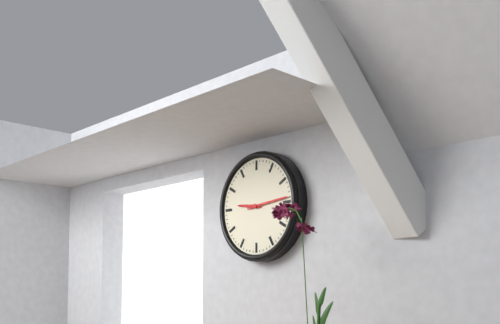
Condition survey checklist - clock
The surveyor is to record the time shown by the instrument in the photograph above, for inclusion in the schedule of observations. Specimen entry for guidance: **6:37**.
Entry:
**9:14**
